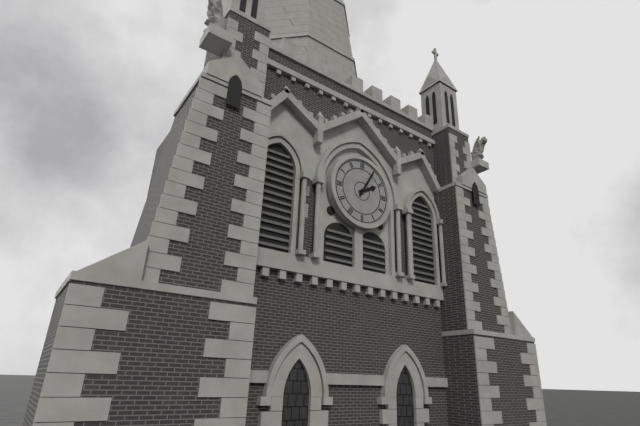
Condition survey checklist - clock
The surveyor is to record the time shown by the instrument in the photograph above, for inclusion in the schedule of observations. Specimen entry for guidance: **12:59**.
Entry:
**2:05**
